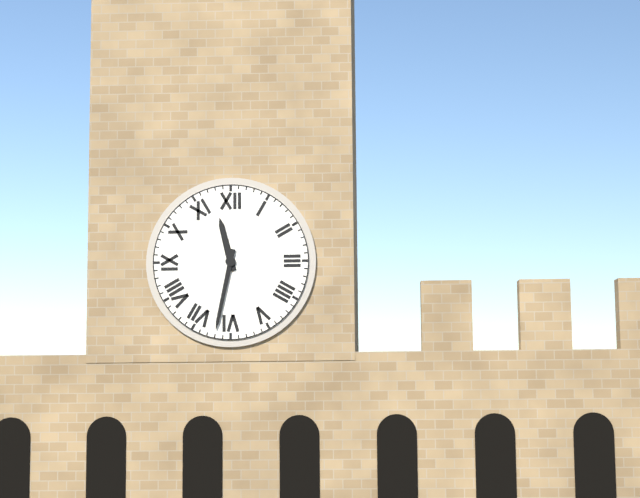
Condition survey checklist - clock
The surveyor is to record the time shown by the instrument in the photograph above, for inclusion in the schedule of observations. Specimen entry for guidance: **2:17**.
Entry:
**11:32**
